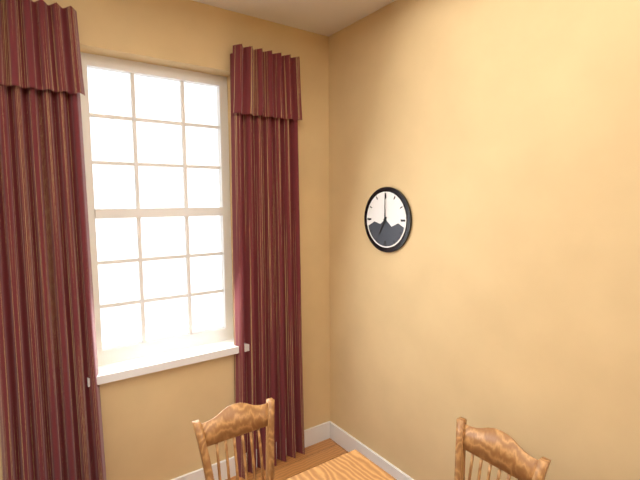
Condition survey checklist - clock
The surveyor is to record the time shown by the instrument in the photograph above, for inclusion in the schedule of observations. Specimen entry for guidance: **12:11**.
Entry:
**7:00**
